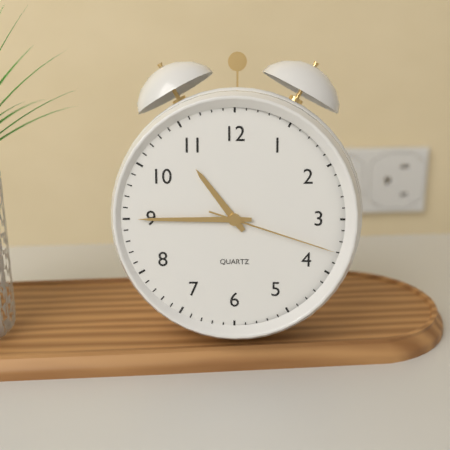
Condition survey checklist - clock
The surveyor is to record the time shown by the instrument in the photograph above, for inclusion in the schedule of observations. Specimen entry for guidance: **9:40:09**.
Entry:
**10:45:18**
